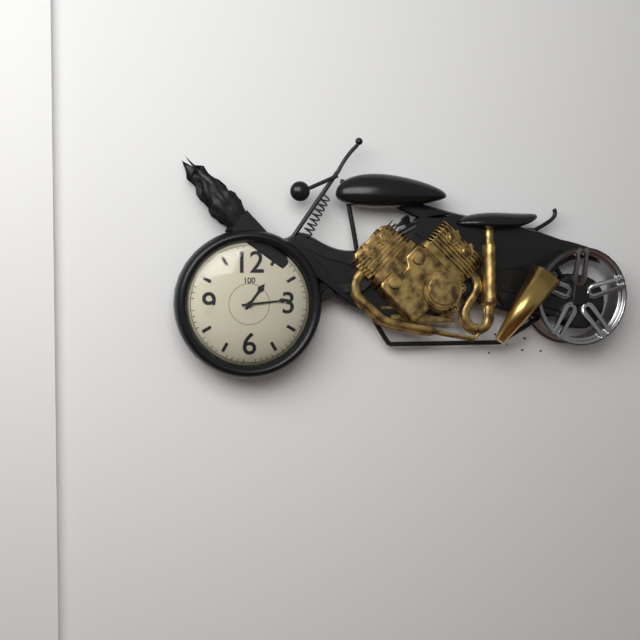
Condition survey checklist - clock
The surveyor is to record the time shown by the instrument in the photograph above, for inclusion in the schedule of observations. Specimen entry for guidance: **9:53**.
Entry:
**1:14**
